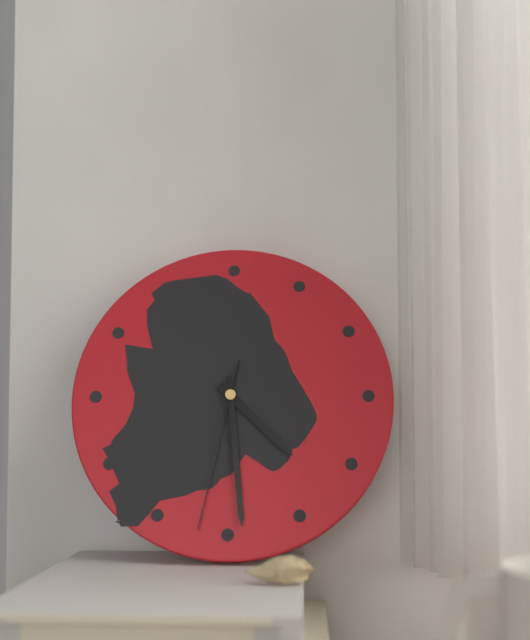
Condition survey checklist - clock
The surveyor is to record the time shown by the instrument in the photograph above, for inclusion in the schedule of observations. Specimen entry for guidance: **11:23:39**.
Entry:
**4:29:32**
